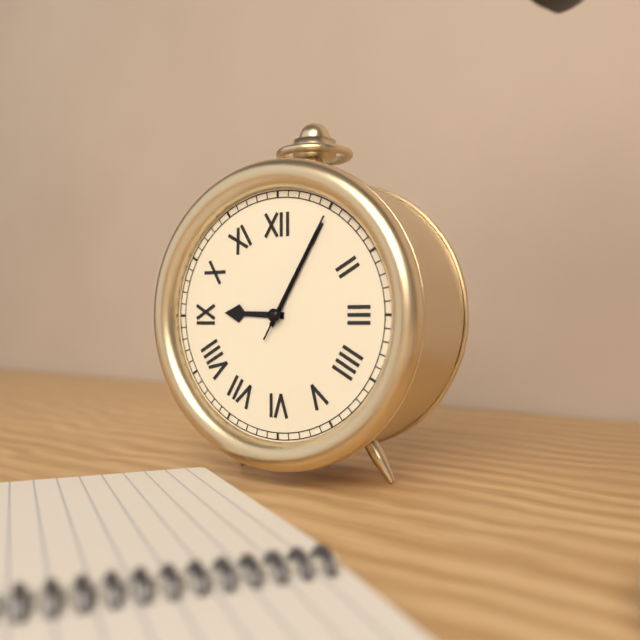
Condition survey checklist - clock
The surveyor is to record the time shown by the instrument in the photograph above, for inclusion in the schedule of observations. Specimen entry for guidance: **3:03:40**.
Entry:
**9:05:05**
